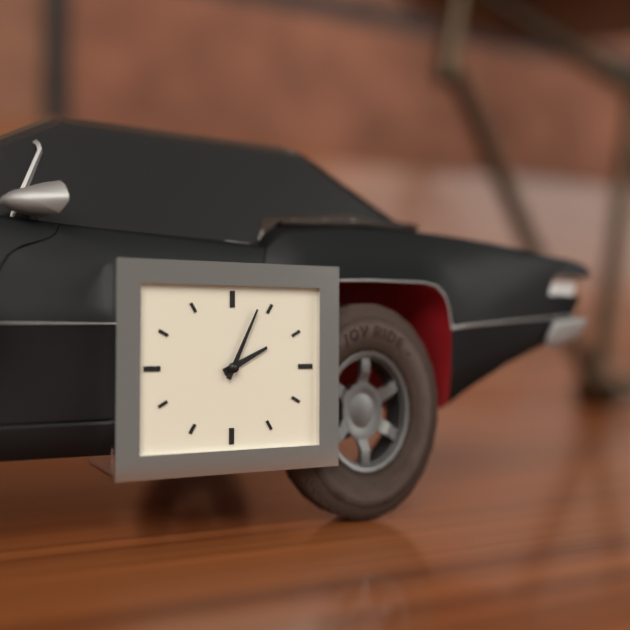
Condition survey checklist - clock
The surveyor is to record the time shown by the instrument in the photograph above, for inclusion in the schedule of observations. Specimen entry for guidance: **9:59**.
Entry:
**2:04**
